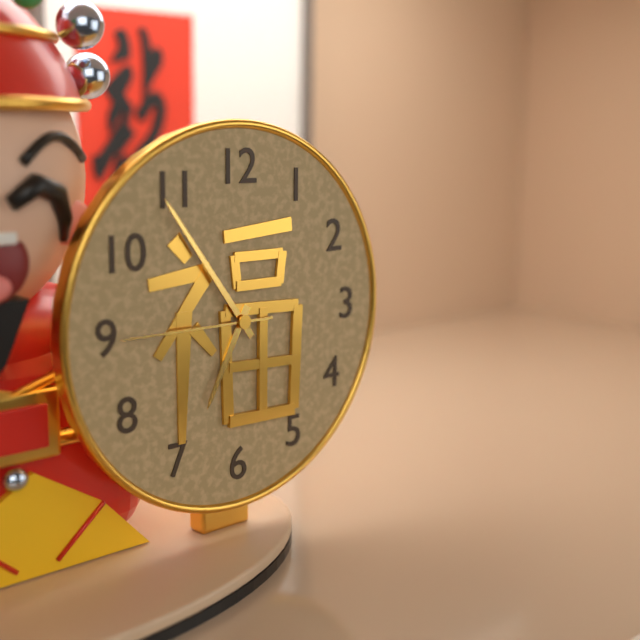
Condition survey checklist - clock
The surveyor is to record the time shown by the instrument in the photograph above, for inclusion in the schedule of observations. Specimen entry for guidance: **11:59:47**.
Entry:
**6:54:45**
